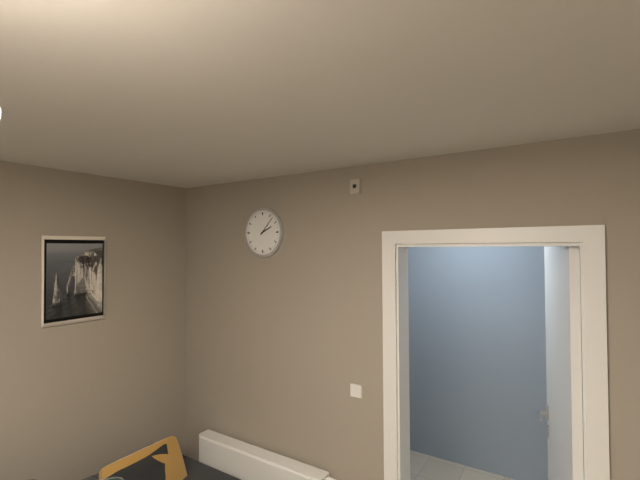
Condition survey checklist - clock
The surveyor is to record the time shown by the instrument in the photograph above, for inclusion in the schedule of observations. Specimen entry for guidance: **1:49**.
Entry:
**2:07**
